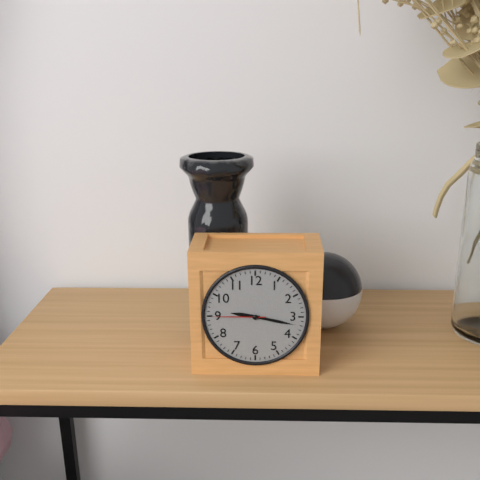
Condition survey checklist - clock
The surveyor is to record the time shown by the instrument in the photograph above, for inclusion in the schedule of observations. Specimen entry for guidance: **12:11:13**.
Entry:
**9:17:45**
